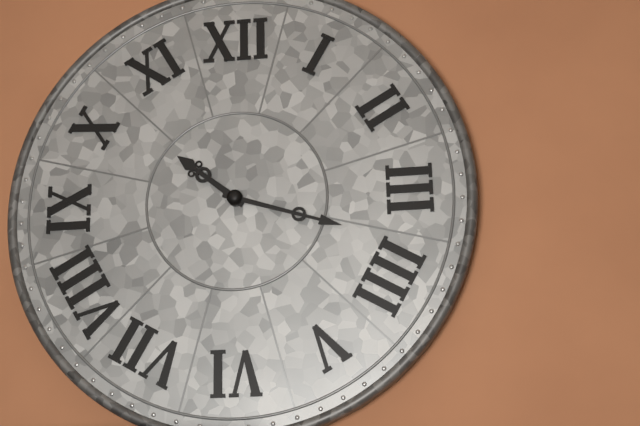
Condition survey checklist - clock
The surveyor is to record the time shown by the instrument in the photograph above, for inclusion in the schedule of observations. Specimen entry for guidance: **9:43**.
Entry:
**10:18**
